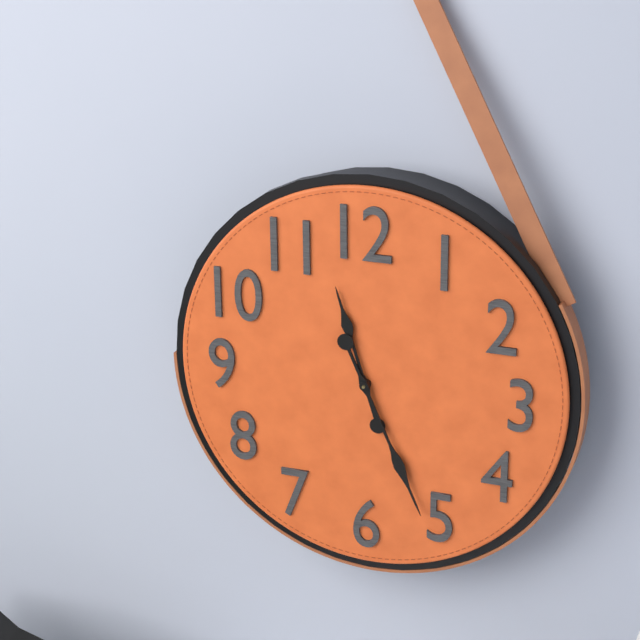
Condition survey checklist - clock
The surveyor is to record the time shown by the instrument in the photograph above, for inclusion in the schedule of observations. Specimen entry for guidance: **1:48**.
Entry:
**11:26**
